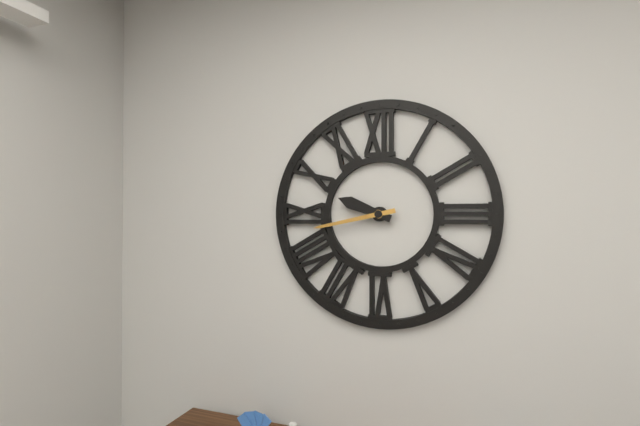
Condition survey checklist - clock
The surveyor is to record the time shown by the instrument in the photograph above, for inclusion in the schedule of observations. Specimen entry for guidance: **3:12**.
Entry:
**9:43**
